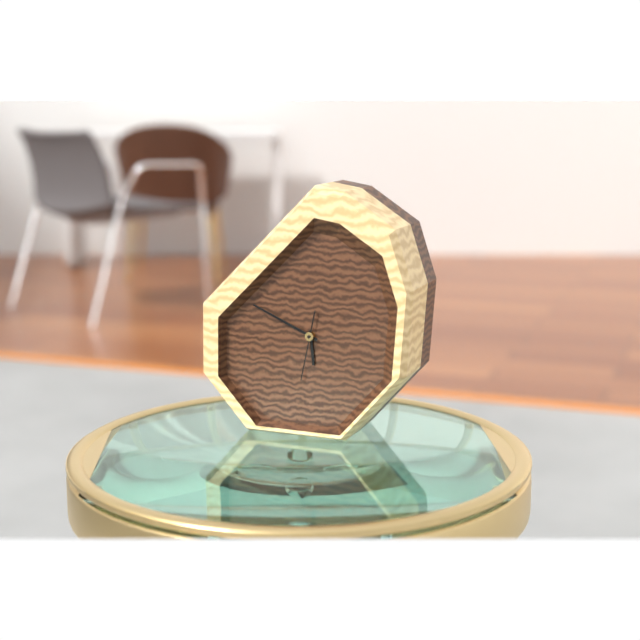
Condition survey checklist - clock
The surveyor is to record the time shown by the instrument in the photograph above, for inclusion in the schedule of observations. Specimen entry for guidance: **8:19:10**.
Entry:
**5:49:32**
